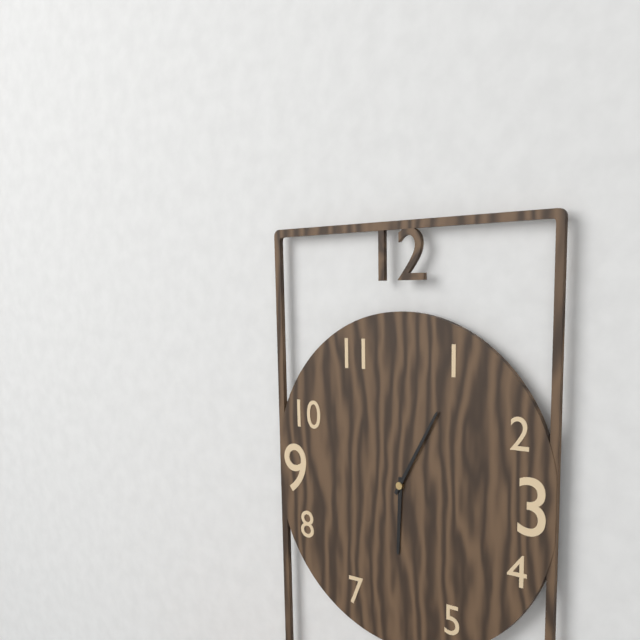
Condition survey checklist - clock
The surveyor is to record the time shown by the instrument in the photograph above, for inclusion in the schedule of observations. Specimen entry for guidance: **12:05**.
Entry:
**6:05**
